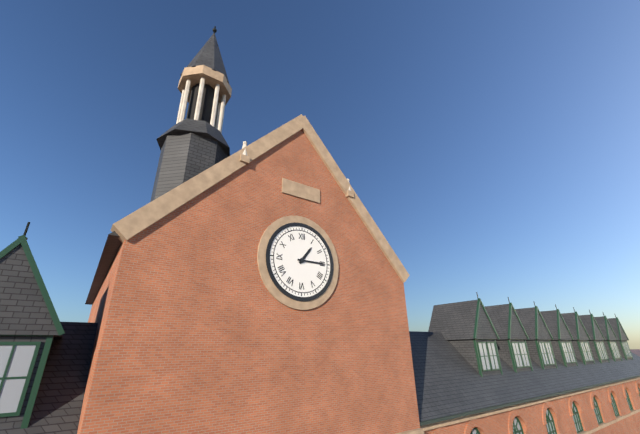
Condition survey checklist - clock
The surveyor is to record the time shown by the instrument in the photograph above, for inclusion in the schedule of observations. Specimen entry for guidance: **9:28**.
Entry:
**1:15**
